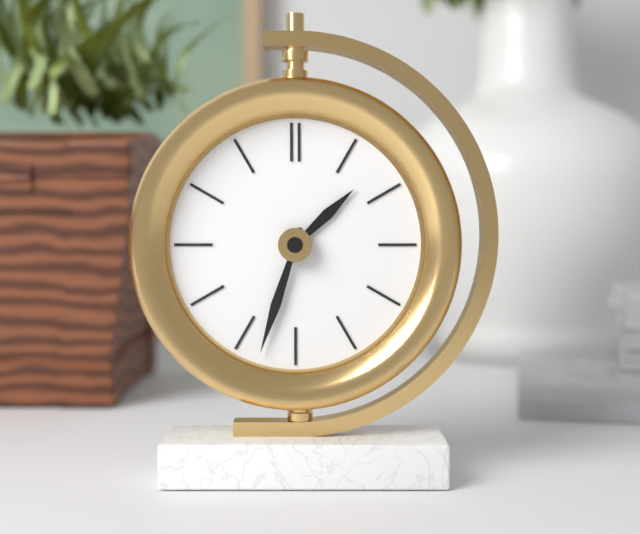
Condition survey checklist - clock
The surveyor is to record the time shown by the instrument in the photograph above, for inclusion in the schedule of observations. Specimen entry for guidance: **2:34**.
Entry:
**1:33**
